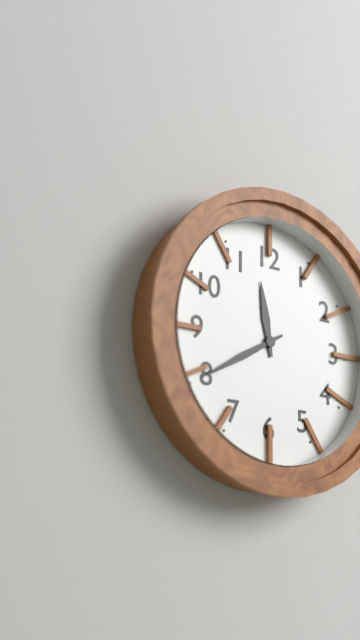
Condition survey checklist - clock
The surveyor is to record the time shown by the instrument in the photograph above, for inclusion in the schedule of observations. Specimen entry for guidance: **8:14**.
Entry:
**11:40**
